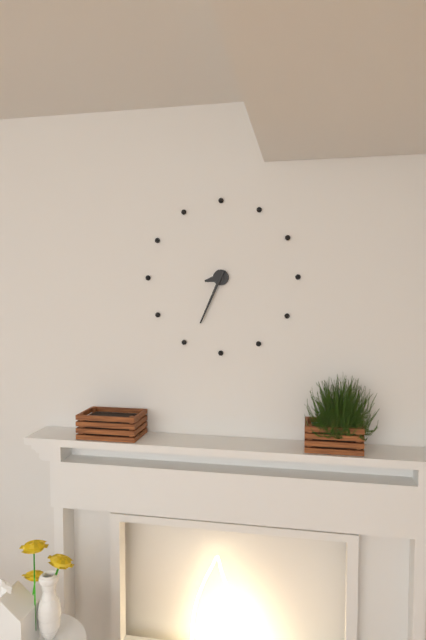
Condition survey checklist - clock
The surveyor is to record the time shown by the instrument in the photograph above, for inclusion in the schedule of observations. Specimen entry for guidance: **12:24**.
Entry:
**8:34**
